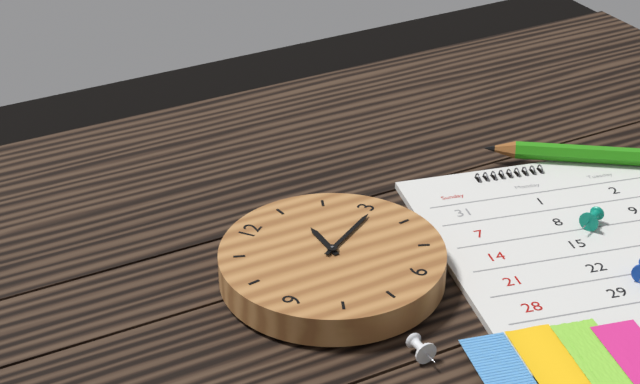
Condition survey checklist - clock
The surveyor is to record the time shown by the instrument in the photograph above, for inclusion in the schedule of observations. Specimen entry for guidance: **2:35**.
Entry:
**1:16**
